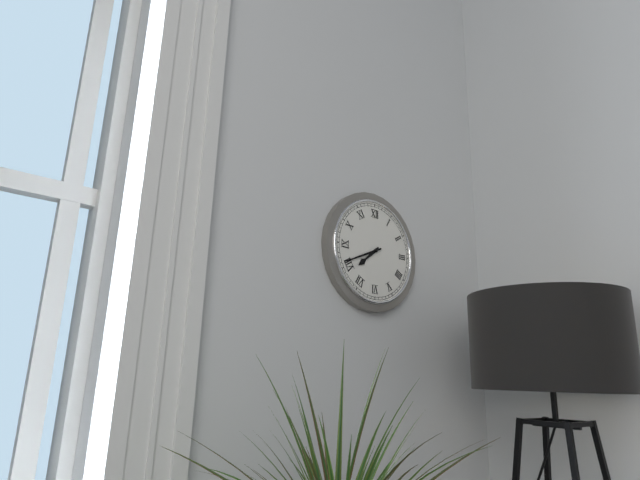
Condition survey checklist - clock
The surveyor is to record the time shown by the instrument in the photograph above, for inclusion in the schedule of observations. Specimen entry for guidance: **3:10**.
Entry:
**7:41**
